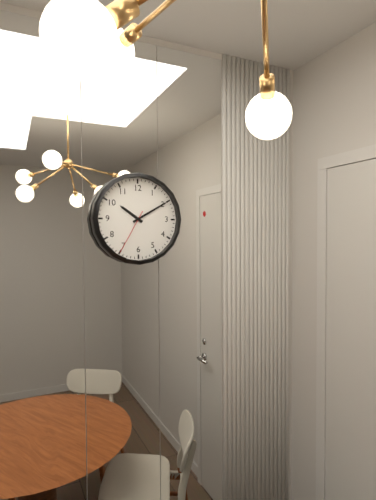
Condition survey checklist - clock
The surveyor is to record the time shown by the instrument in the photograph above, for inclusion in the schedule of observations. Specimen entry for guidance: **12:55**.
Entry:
**10:10**
